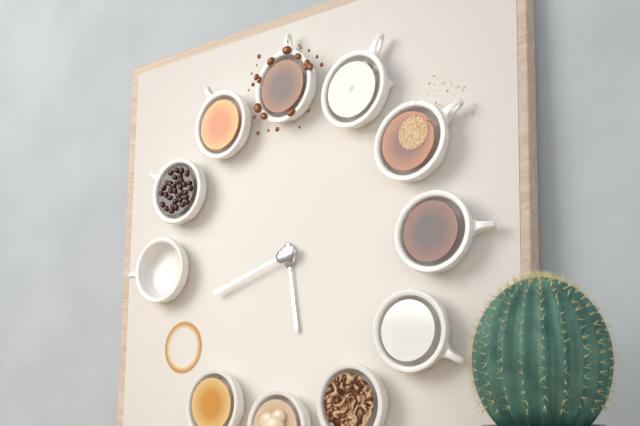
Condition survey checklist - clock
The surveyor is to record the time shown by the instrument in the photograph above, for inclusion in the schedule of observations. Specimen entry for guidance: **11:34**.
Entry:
**5:42**
